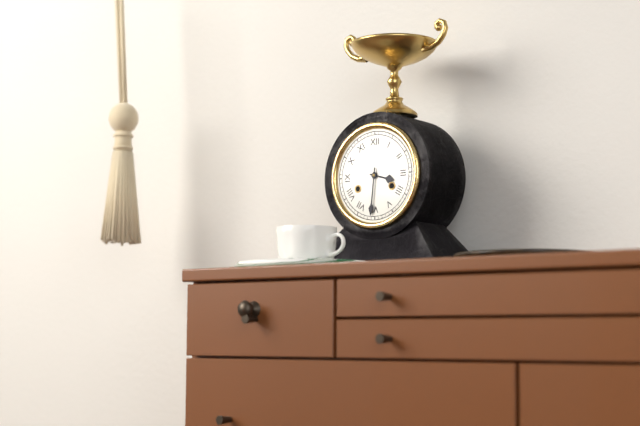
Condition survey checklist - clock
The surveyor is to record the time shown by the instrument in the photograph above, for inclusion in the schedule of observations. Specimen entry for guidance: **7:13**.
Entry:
**3:31**
